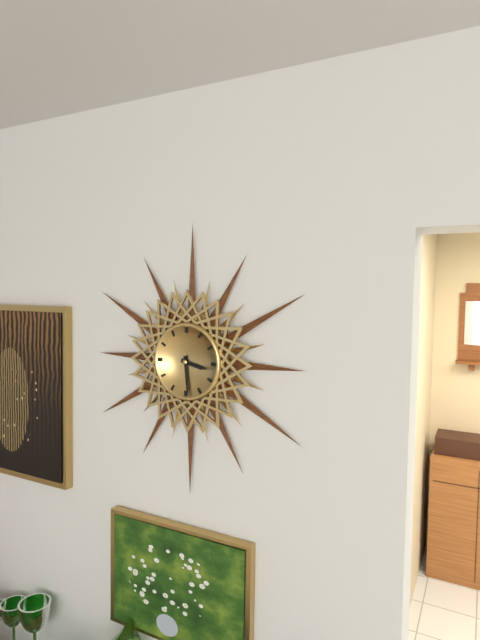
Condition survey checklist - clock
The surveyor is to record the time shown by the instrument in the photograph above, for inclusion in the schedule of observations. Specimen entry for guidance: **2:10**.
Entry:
**3:29**
